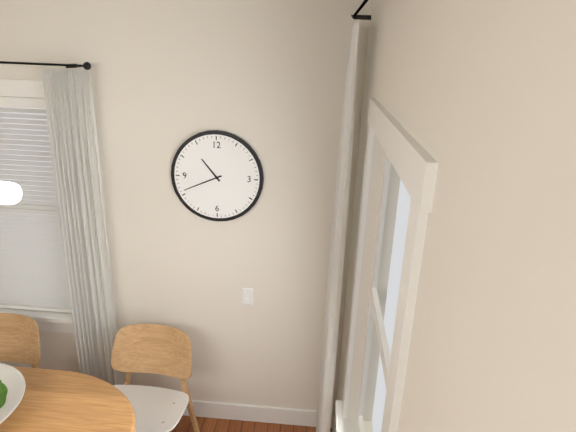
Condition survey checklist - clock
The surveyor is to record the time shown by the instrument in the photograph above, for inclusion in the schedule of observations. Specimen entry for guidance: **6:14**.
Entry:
**10:41**
